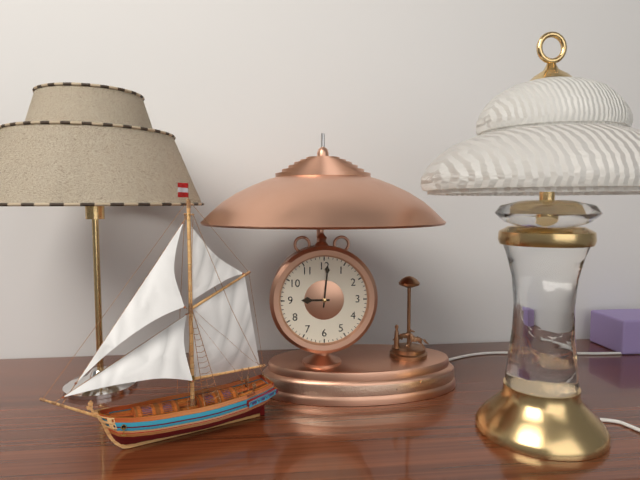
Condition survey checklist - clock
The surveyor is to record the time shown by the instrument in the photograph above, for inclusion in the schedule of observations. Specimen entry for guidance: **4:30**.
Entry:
**9:01**
